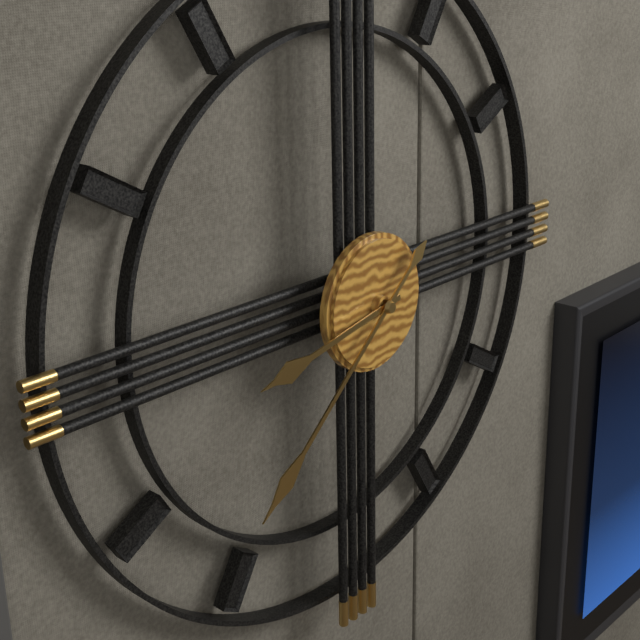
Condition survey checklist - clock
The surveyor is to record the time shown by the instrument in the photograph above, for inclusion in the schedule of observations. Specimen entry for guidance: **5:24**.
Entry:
**8:38**
